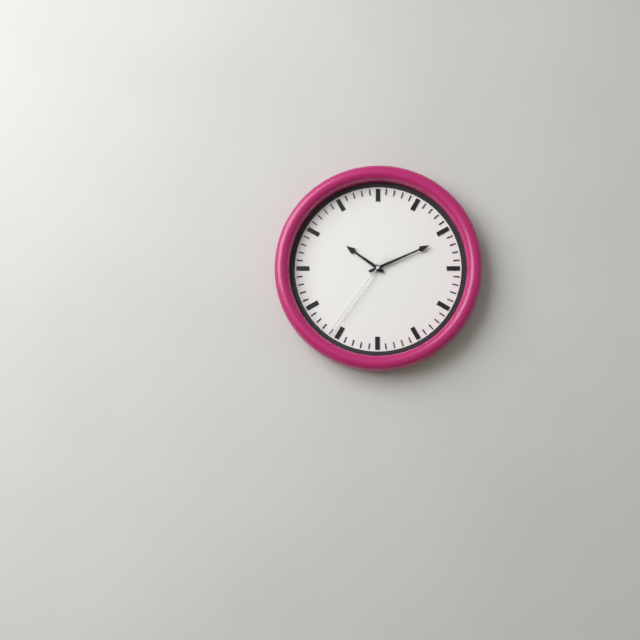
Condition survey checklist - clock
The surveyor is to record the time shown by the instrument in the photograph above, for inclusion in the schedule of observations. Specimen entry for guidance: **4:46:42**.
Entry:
**10:11:36**
